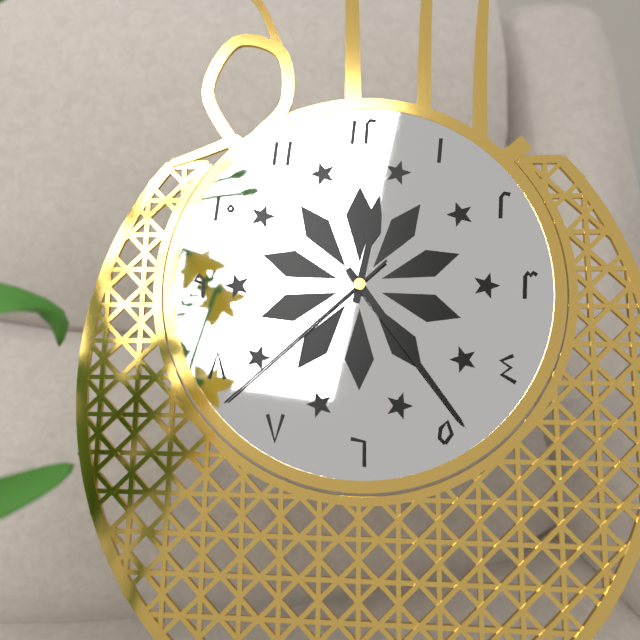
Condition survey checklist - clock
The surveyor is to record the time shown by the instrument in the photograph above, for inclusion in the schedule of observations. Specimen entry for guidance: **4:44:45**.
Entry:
**12:24:38**
